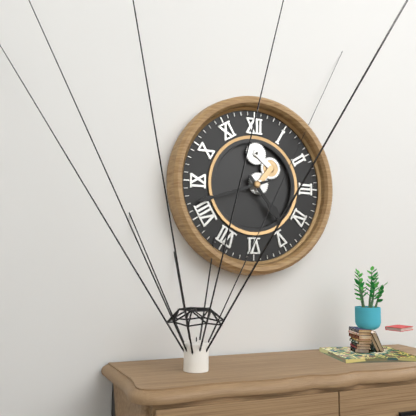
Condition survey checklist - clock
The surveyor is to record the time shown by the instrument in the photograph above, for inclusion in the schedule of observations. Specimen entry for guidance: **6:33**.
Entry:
**4:42**
